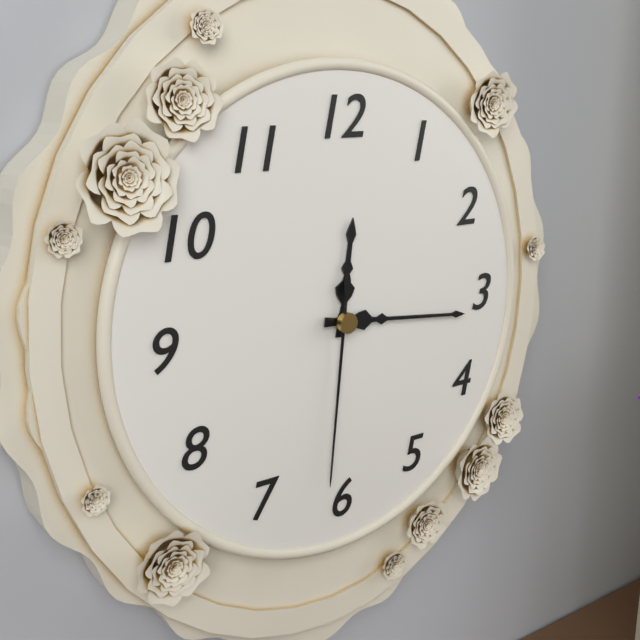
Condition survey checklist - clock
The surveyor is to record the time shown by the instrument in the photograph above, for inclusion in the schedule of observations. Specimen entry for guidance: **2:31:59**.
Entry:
**12:16:31**
